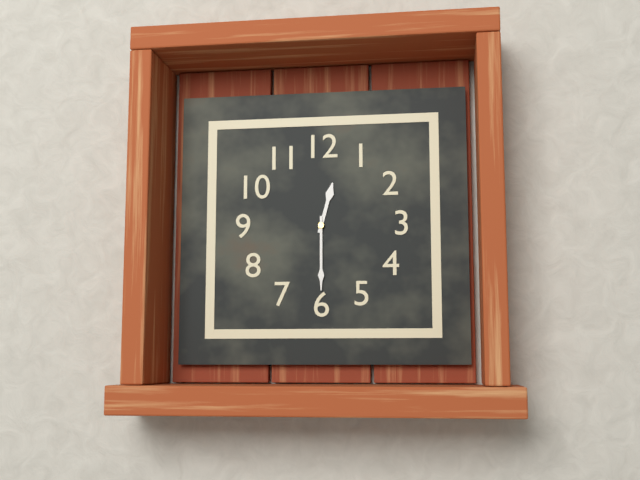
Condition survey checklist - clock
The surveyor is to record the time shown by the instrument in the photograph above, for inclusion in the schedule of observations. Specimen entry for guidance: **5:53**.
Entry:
**12:30**
